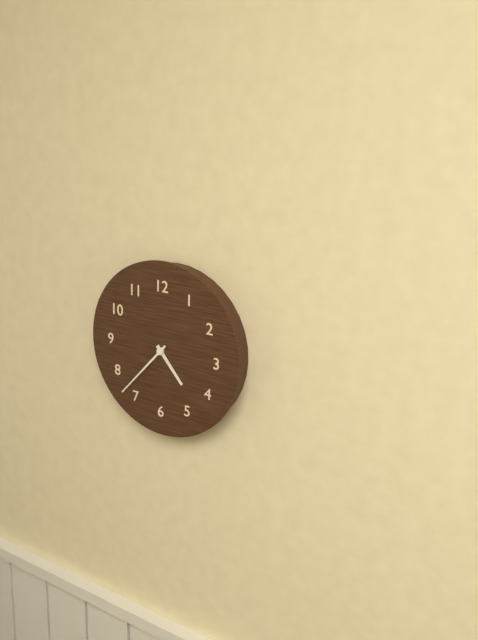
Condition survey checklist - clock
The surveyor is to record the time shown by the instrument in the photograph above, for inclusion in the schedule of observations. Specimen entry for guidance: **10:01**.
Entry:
**4:37**
